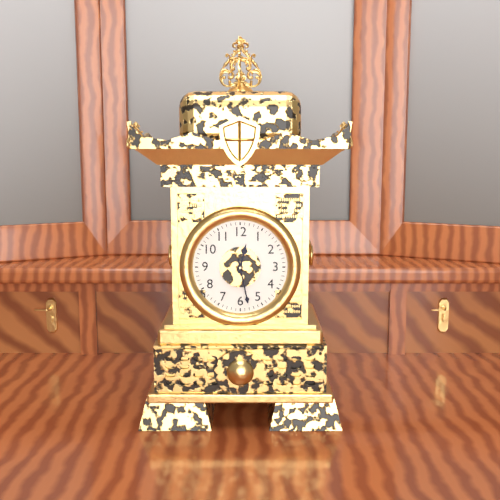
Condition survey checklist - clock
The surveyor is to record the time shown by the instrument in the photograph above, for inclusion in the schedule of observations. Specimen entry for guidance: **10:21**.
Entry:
**12:28**
